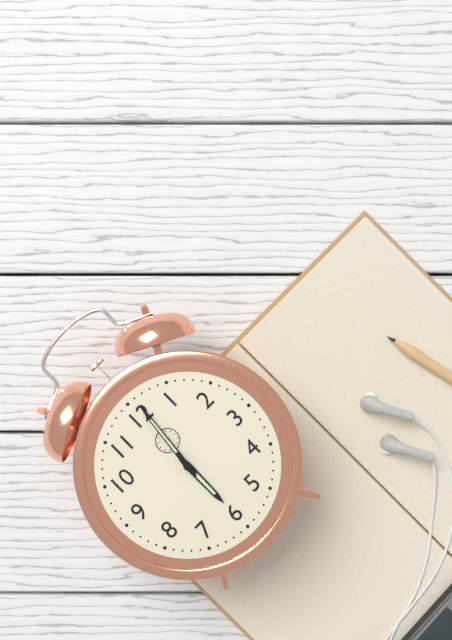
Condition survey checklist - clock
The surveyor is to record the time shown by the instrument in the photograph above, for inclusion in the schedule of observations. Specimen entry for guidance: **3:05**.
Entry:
**6:01**
